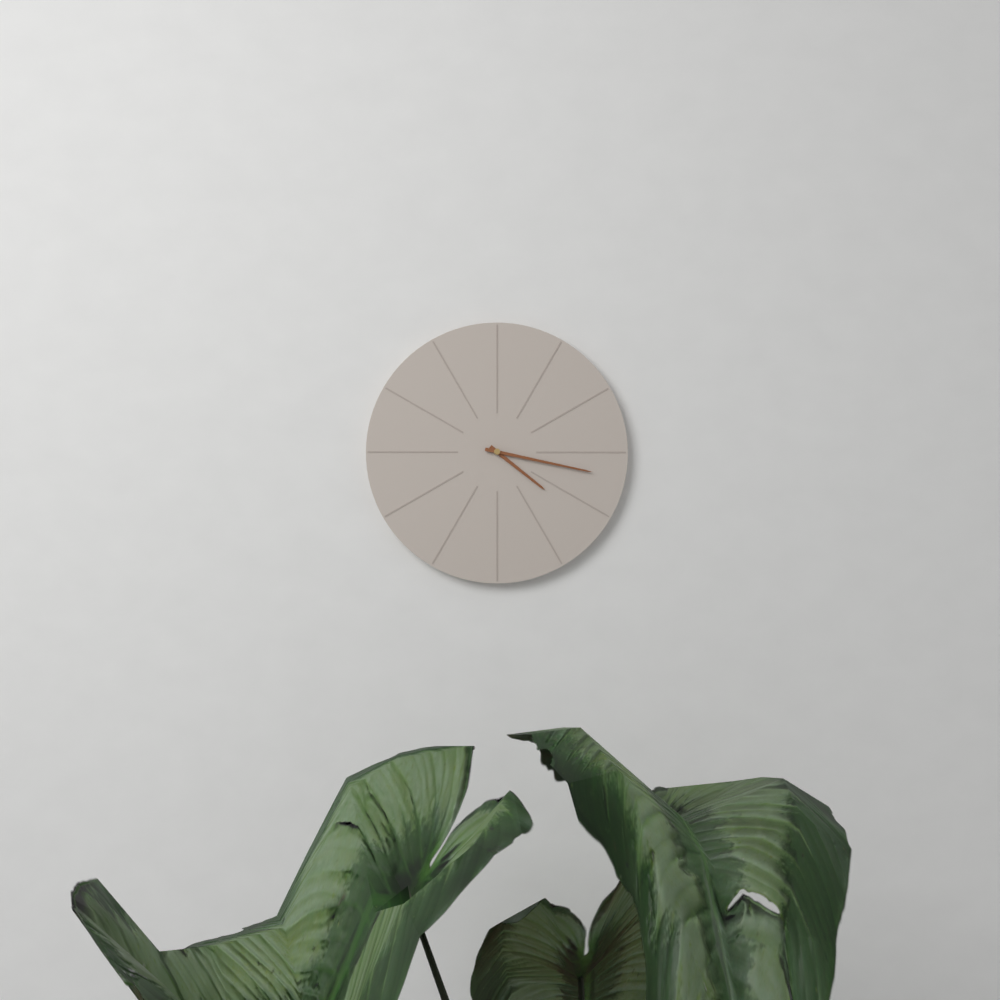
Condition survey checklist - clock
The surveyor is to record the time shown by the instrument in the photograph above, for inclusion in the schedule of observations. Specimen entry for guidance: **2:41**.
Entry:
**4:17**
